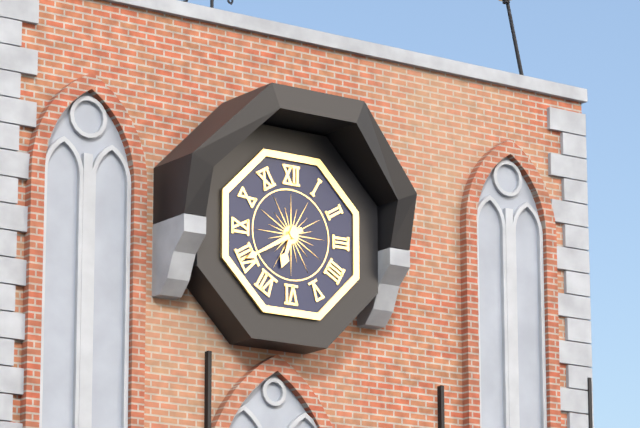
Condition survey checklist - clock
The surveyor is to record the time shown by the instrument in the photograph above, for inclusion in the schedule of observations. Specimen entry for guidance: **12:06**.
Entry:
**6:40**
